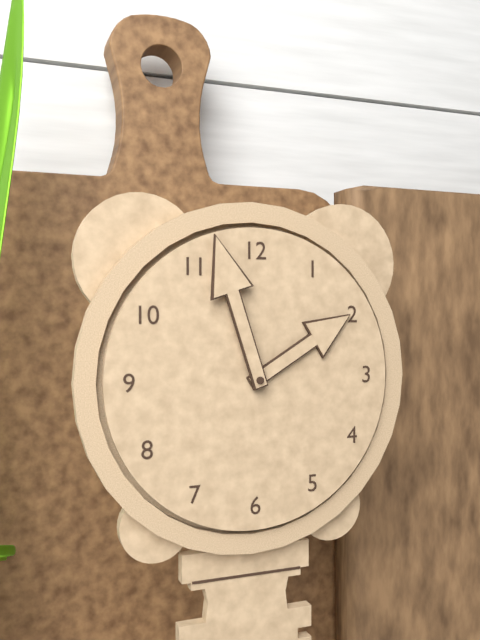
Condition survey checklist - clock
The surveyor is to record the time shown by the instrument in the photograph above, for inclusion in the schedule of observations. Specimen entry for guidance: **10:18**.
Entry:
**1:57**
